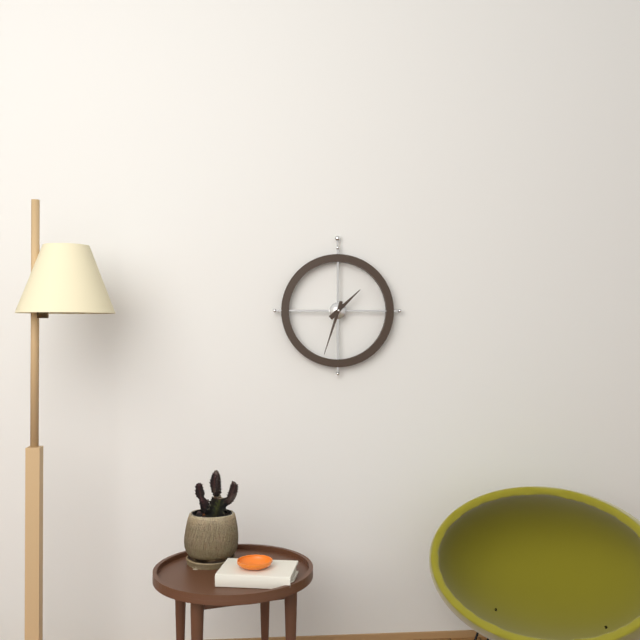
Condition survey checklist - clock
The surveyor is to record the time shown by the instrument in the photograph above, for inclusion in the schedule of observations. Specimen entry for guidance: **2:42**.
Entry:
**1:33**
